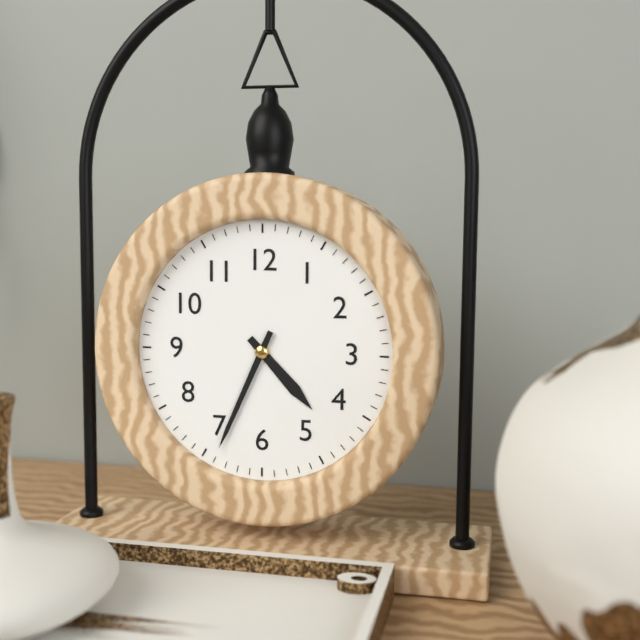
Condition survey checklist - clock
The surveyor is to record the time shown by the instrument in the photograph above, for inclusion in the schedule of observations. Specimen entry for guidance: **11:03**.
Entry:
**4:34**
